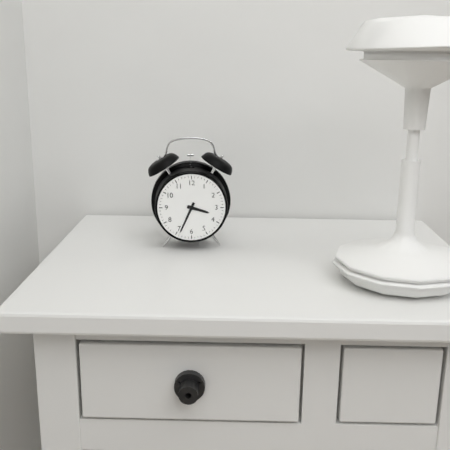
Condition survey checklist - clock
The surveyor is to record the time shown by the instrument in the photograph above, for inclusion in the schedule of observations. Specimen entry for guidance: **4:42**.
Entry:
**3:34**
